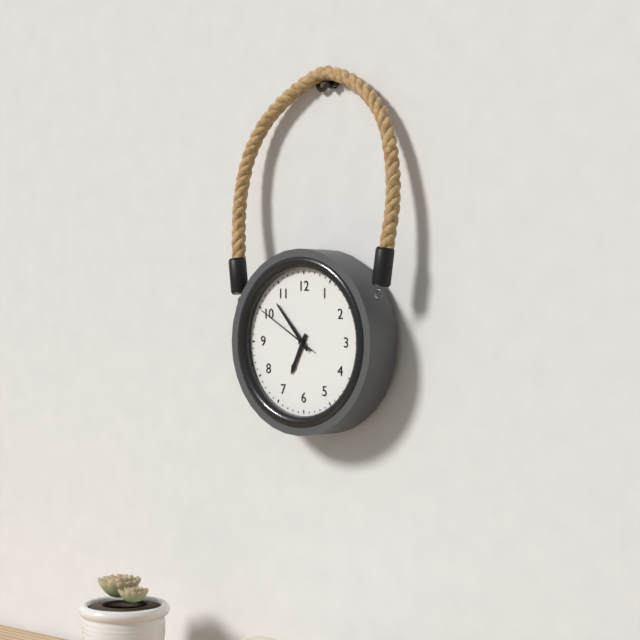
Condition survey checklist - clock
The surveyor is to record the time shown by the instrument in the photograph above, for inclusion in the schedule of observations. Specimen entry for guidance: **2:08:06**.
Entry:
**6:53:50**
